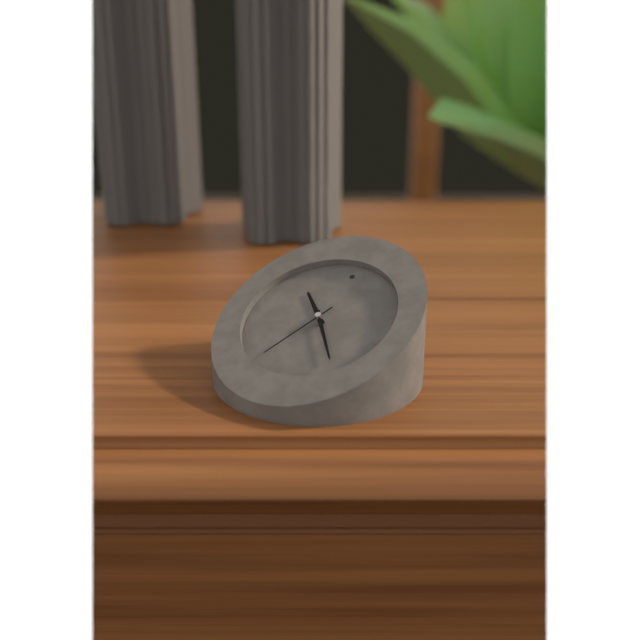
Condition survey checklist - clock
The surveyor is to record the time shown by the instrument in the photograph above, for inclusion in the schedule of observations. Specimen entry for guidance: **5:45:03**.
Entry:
**10:23:34**
